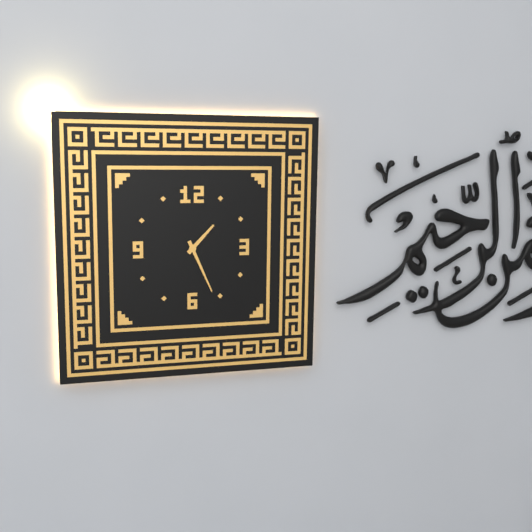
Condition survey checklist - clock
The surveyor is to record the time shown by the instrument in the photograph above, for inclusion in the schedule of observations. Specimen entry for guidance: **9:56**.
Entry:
**1:26**
